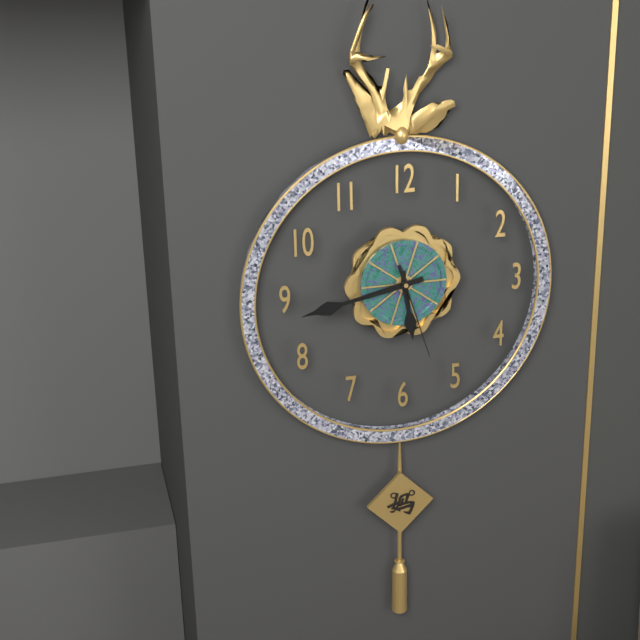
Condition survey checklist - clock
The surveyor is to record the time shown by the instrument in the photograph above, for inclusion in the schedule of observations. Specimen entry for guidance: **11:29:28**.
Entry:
**5:43:27**
